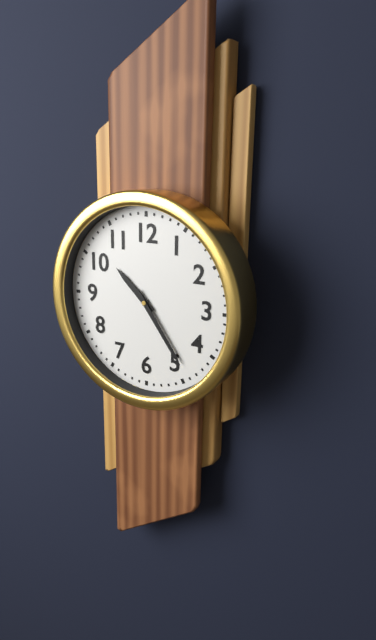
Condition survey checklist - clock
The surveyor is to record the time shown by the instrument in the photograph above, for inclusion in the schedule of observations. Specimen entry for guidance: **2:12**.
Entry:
**10:24**
